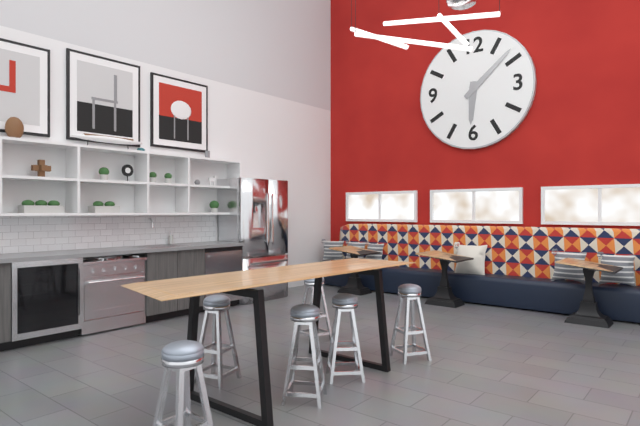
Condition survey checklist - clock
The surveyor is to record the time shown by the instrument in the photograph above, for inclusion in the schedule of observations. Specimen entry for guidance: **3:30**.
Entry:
**6:08**
